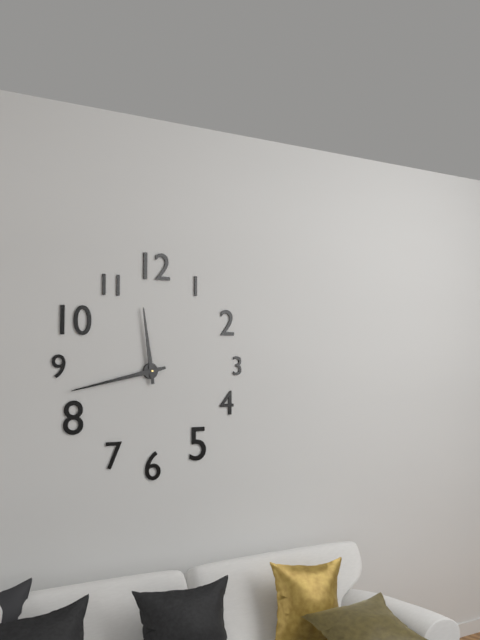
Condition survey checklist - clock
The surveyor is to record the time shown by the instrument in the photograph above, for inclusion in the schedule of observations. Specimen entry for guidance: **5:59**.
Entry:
**11:43**
